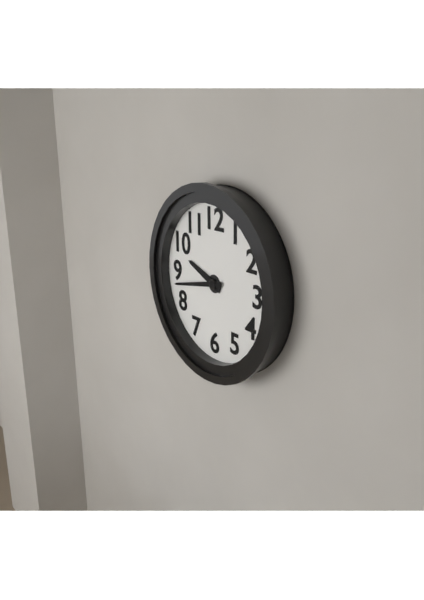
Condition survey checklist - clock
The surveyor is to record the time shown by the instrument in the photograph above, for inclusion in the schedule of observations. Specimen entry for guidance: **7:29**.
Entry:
**9:43**
